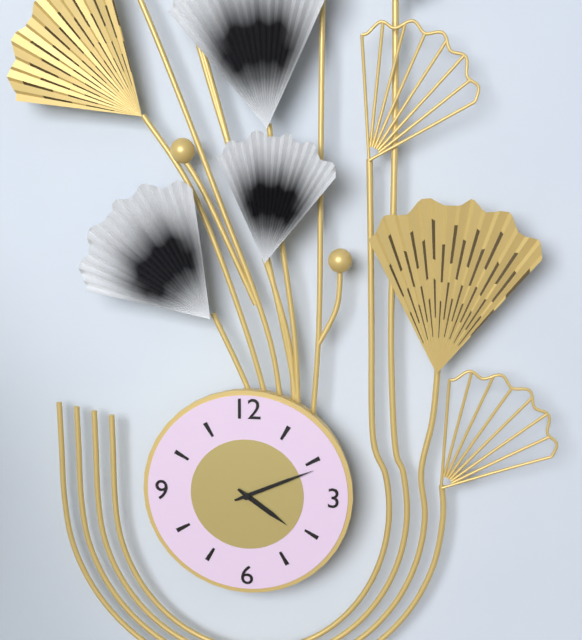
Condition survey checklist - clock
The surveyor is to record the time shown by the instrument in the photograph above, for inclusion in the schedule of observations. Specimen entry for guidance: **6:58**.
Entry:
**4:11**
